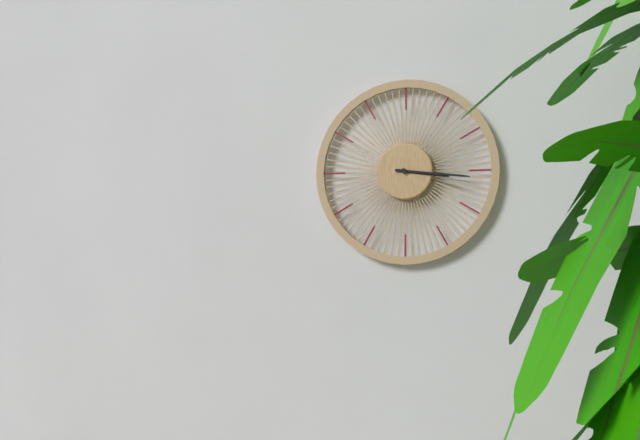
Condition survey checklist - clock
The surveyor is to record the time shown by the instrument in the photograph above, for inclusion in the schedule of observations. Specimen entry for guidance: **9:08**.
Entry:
**3:16**
